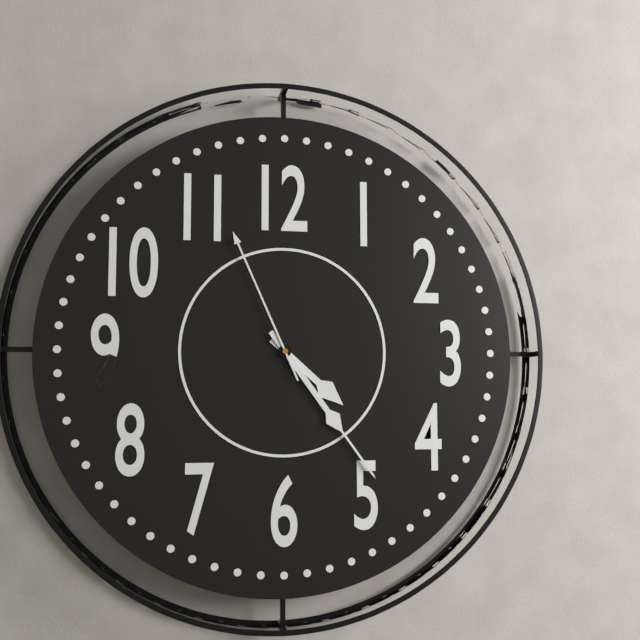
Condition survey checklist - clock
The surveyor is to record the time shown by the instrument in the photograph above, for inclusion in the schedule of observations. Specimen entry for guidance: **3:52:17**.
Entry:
**4:24:56**
